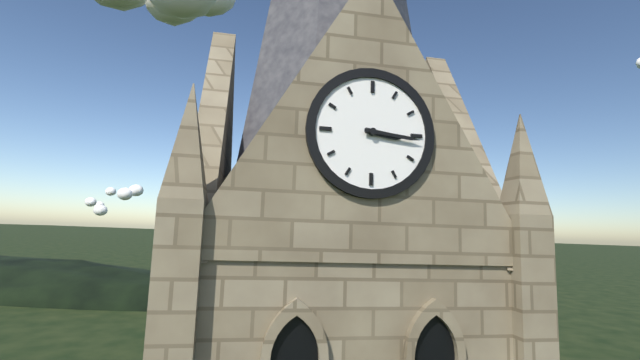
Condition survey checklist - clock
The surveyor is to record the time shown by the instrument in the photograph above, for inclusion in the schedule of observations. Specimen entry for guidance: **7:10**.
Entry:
**3:16**
